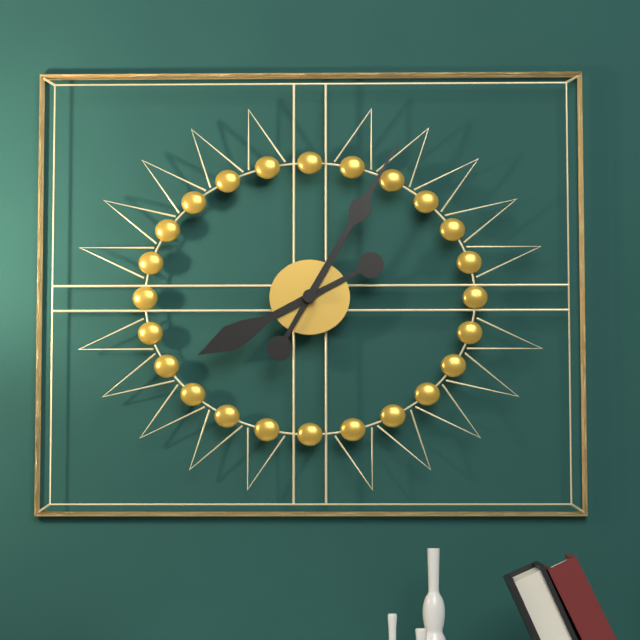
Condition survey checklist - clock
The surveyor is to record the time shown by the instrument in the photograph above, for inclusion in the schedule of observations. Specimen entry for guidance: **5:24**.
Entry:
**8:05**
